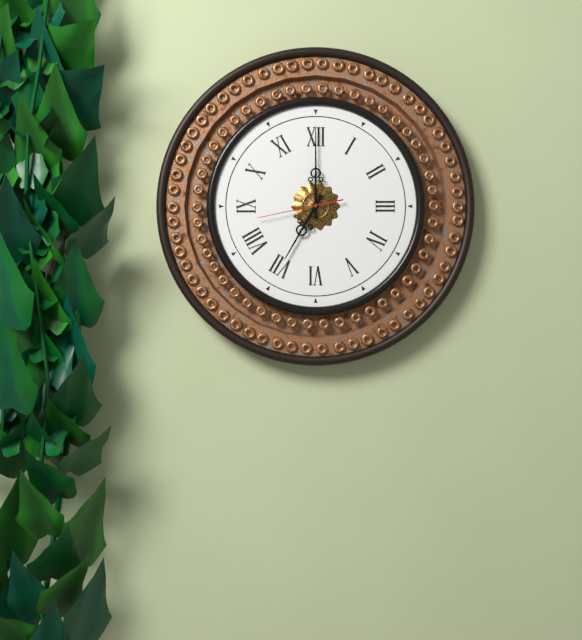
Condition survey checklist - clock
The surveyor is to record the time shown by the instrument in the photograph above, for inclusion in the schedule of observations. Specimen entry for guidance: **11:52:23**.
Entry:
**7:00:43**
